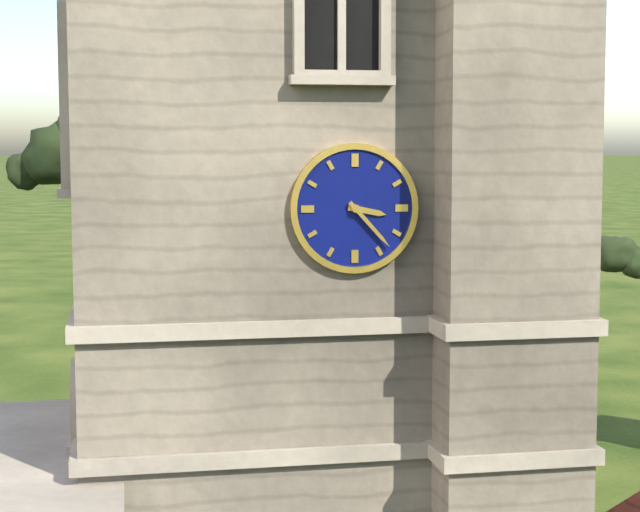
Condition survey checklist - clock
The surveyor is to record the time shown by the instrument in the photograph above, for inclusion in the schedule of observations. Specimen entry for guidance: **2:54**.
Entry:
**3:23**
